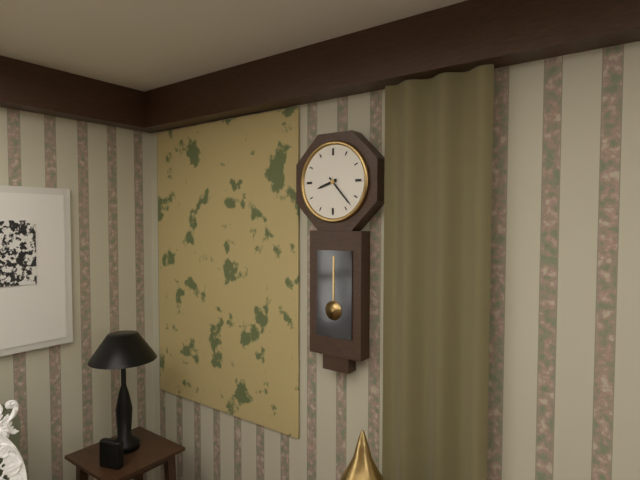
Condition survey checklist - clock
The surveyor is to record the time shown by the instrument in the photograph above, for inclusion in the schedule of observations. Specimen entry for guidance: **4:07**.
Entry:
**8:23**
